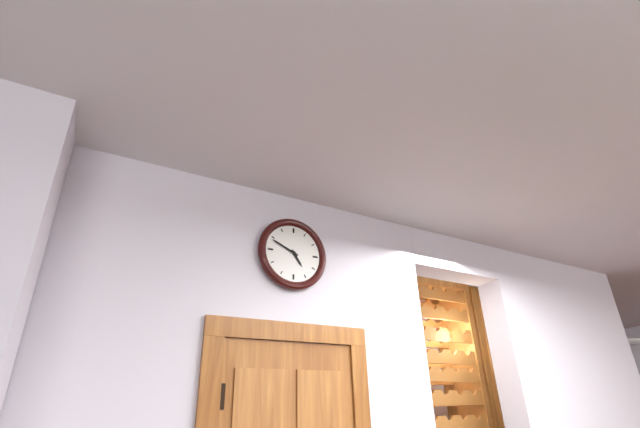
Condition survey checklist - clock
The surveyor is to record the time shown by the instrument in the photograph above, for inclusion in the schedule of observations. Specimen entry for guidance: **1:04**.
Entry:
**4:49**
